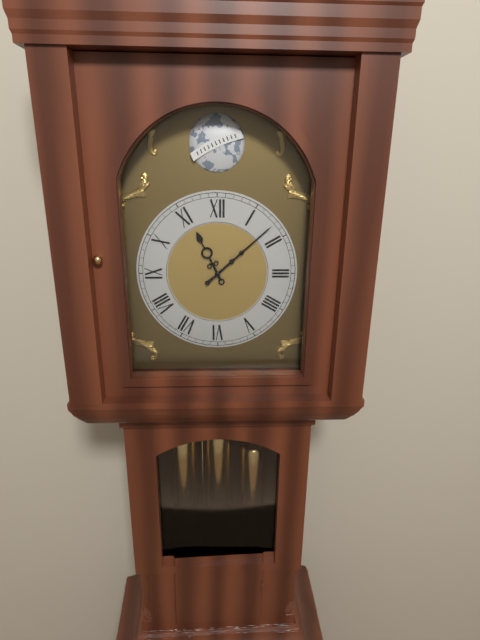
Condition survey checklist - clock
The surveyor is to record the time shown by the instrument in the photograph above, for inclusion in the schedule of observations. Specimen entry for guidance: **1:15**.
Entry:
**11:08**
